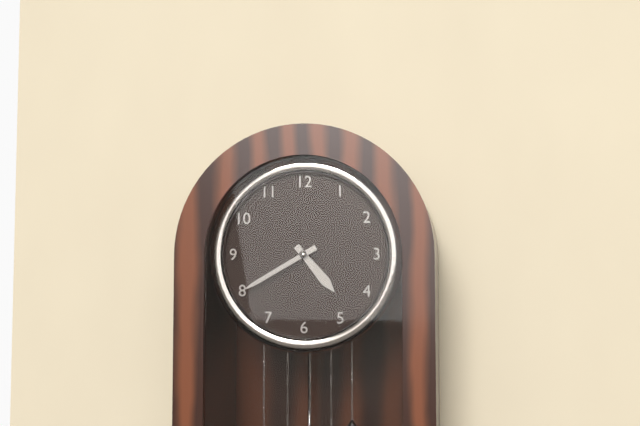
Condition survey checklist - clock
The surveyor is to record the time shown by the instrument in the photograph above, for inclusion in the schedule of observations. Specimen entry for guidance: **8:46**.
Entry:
**4:40**
